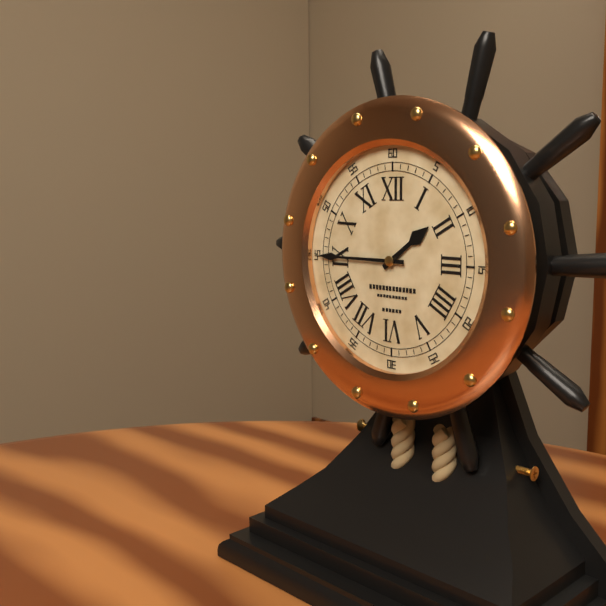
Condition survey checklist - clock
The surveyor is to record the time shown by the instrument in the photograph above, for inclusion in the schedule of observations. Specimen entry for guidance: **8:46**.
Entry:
**1:45**
